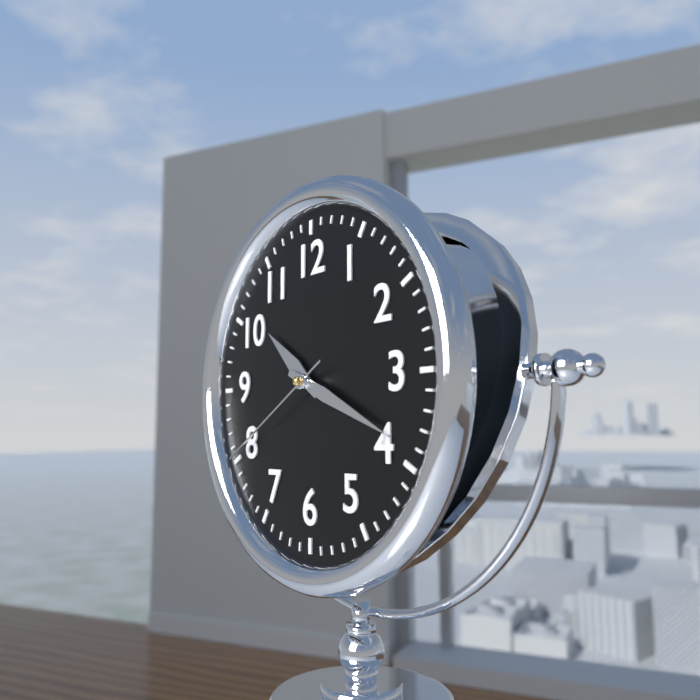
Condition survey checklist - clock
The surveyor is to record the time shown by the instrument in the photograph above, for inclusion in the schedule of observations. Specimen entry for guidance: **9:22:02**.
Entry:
**10:19:40**
